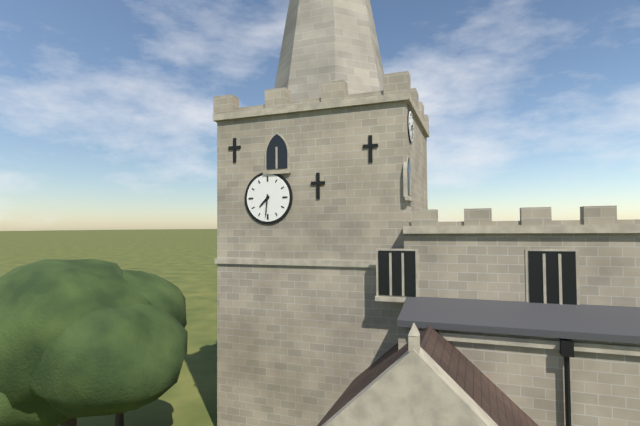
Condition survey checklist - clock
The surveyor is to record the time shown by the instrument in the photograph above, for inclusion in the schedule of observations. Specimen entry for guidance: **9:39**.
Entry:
**7:31**
